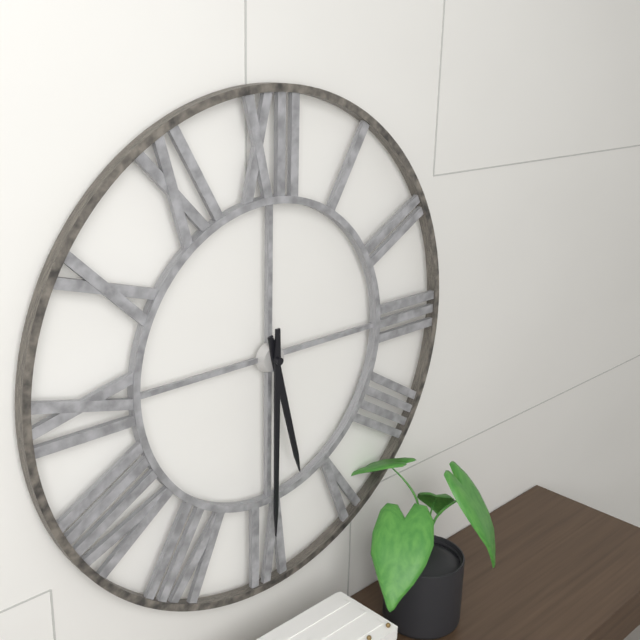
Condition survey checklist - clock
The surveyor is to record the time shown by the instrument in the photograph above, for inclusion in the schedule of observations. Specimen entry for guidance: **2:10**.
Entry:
**5:30**
